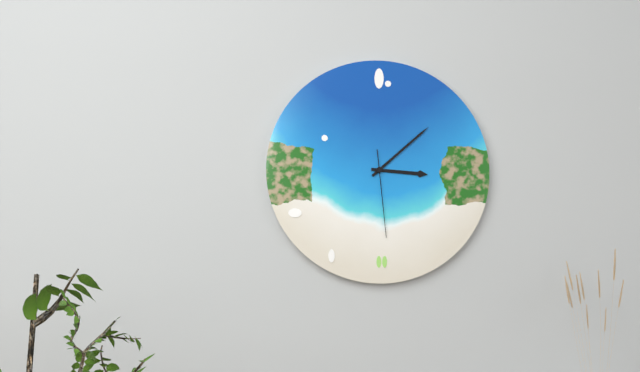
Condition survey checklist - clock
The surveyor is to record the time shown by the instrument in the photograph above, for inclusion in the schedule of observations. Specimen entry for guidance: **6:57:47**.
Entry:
**3:08:29**
